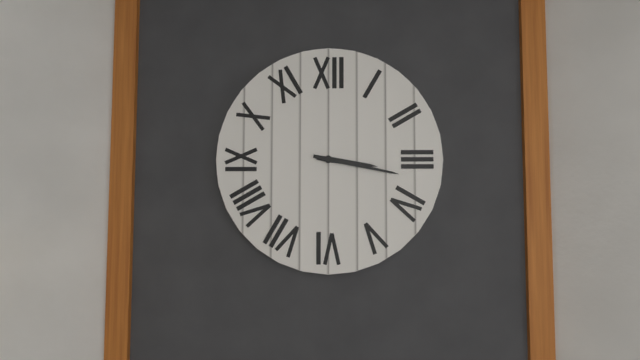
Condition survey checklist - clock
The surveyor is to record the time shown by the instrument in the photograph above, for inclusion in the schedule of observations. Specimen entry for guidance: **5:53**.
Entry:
**3:17**
